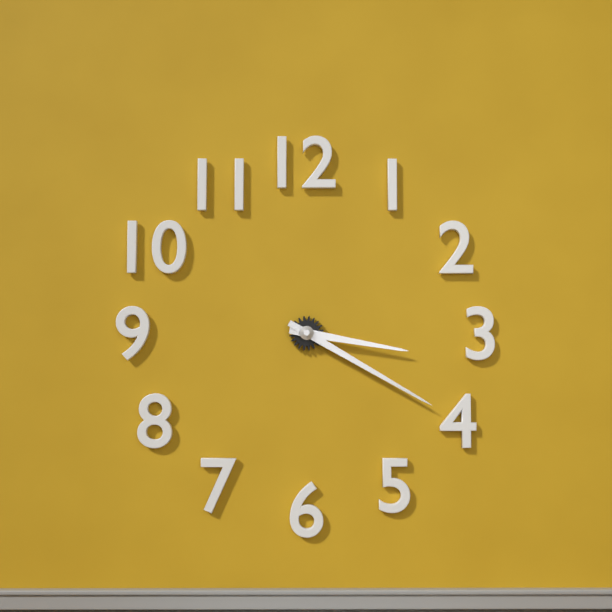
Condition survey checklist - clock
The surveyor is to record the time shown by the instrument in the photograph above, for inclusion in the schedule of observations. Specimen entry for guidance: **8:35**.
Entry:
**3:20**
